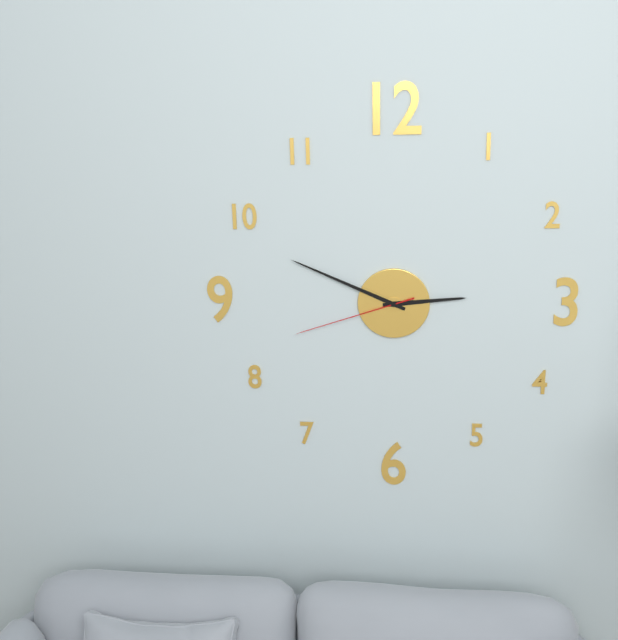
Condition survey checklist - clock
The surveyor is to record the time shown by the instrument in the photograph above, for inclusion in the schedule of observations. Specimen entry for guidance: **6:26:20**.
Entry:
**2:49:42**
